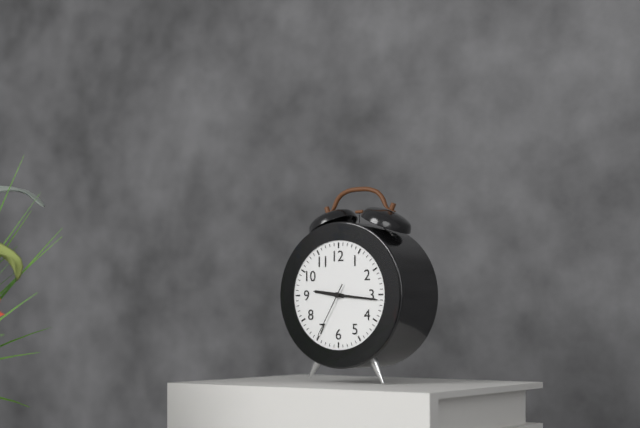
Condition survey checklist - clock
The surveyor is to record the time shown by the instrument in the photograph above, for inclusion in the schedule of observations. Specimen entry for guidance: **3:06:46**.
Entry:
**9:16:35**
